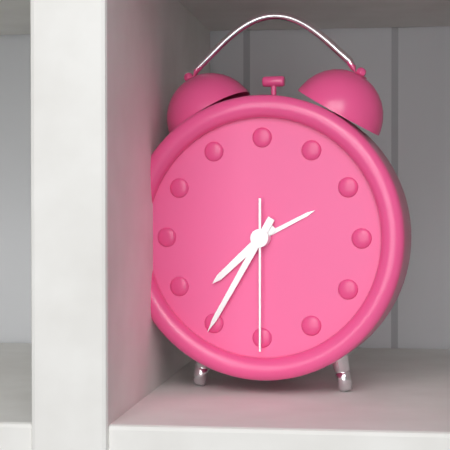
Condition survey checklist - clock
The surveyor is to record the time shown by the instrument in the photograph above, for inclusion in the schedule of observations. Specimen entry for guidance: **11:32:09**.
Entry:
**7:35:30**
